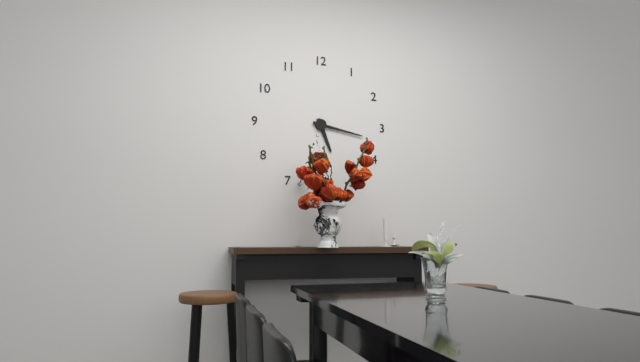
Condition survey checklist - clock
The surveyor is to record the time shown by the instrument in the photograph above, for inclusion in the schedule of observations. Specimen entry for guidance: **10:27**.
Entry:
**5:17**
